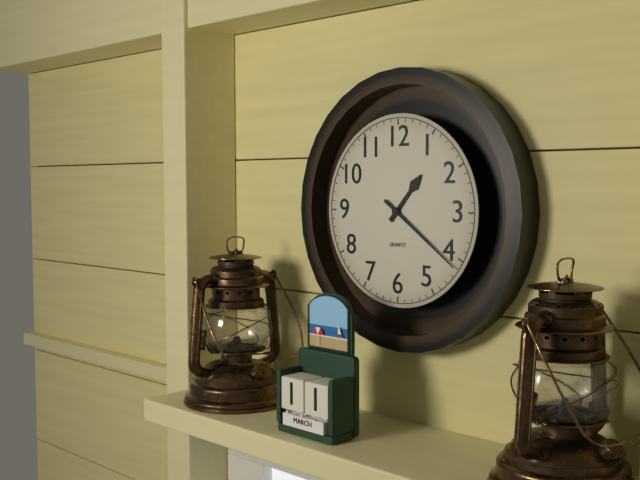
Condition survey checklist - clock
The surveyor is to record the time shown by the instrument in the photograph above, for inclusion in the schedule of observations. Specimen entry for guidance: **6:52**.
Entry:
**1:21**
